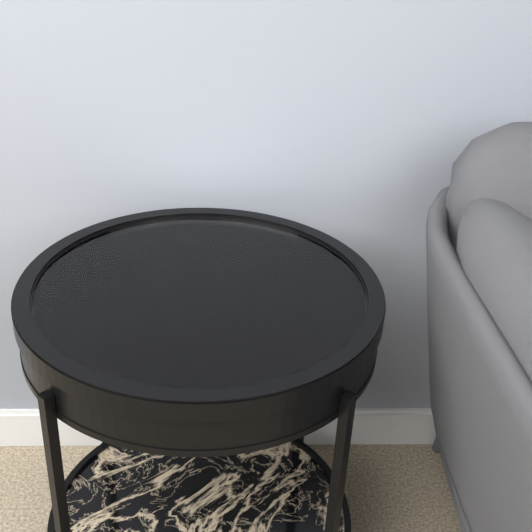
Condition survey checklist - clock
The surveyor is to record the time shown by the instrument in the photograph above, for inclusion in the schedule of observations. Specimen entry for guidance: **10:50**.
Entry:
**10:10**
